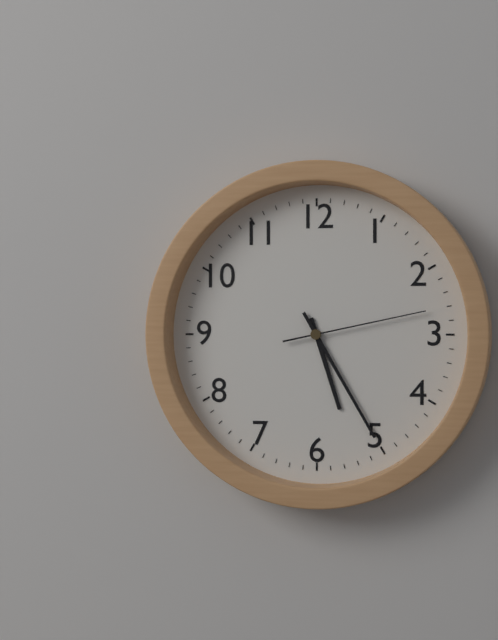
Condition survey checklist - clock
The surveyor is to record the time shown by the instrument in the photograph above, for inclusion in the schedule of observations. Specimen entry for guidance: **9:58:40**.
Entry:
**5:25:13**
